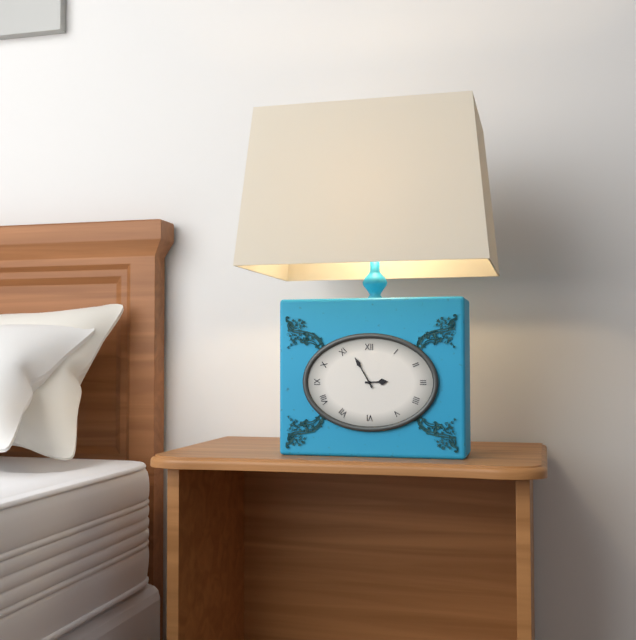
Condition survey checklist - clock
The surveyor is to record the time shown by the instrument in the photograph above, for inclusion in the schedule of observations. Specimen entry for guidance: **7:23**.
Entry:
**2:55**
